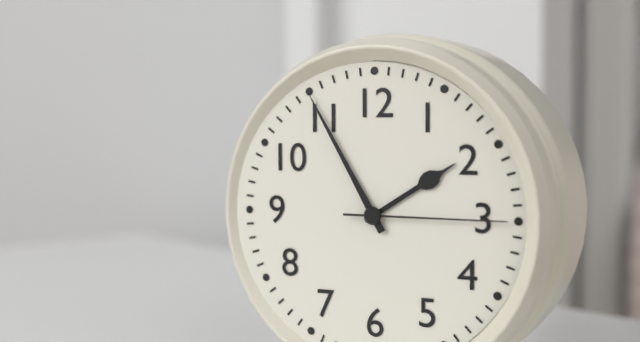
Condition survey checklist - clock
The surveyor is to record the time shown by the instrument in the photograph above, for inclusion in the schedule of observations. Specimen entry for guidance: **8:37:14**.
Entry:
**1:55:15**
